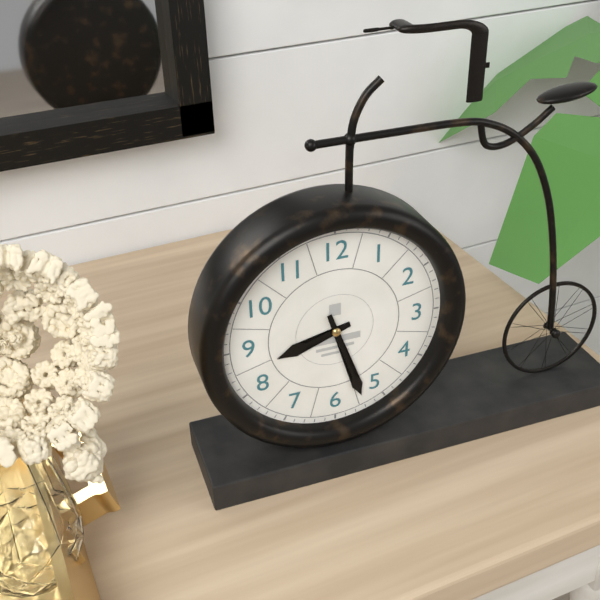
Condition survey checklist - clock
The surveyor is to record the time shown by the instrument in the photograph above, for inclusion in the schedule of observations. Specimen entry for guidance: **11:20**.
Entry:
**8:27**
